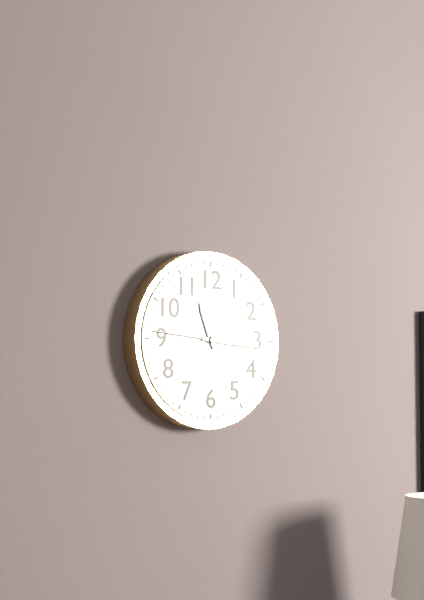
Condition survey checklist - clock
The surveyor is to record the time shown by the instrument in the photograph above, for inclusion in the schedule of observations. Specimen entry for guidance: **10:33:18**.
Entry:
**11:16:46**
